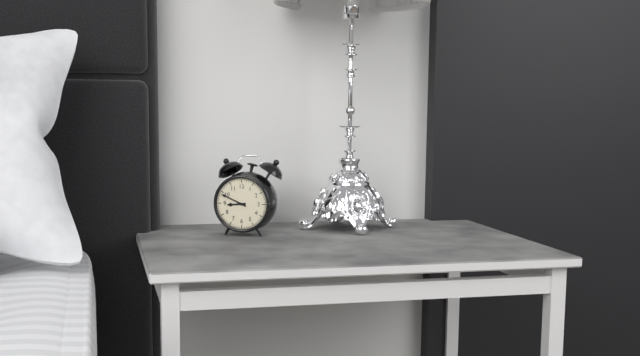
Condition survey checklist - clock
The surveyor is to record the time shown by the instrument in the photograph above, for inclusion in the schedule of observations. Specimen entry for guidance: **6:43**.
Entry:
**8:49**
